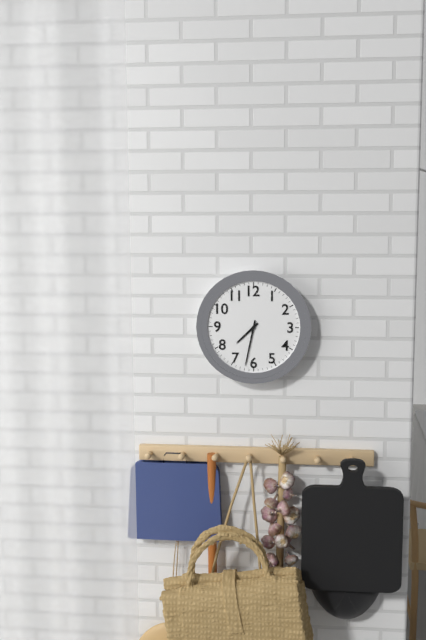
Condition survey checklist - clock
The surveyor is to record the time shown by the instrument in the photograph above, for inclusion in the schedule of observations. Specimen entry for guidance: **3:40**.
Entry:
**7:32**
